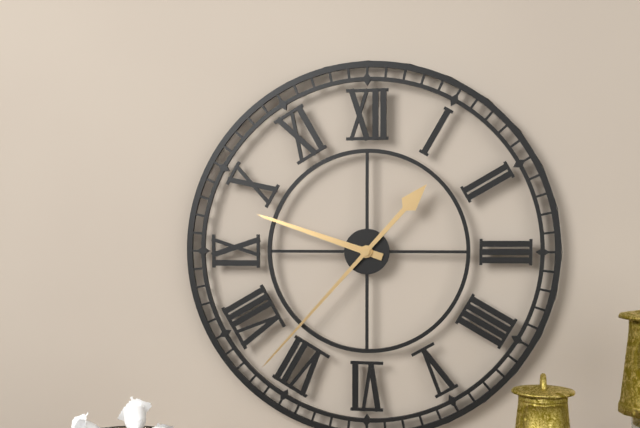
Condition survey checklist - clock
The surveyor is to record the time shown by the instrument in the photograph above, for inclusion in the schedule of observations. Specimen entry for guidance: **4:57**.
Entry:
**9:37**
